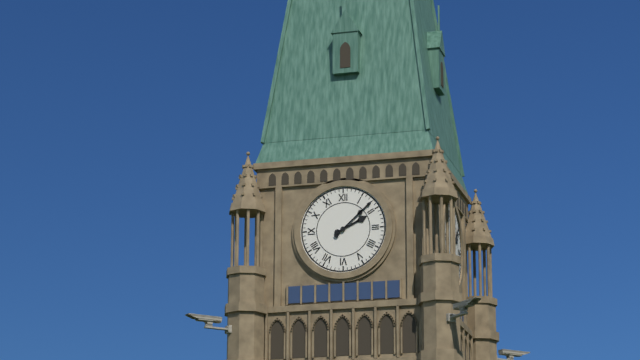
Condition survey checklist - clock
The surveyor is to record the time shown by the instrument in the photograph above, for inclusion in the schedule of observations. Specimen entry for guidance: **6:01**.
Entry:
**2:08**
